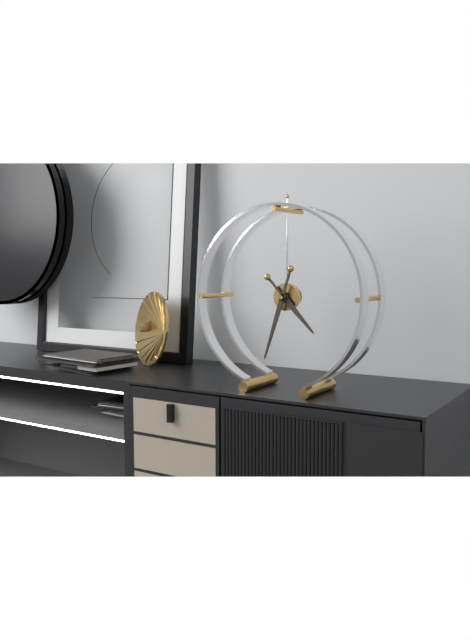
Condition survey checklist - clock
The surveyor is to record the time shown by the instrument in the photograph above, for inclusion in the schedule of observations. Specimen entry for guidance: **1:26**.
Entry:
**4:33**
